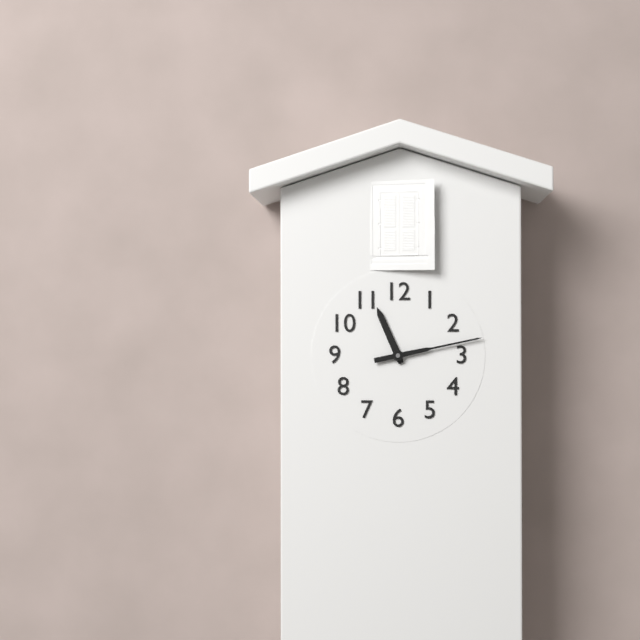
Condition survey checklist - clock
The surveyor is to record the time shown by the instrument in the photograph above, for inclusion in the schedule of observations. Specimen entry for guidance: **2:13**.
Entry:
**11:13**
